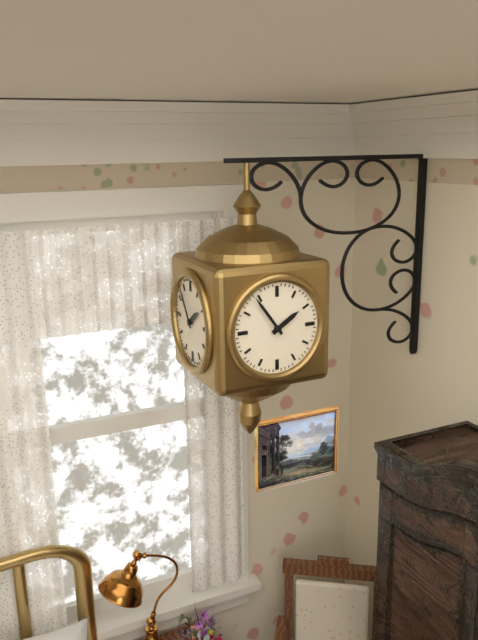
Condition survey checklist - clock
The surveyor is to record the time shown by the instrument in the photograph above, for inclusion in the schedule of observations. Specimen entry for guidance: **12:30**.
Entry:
**1:54**
